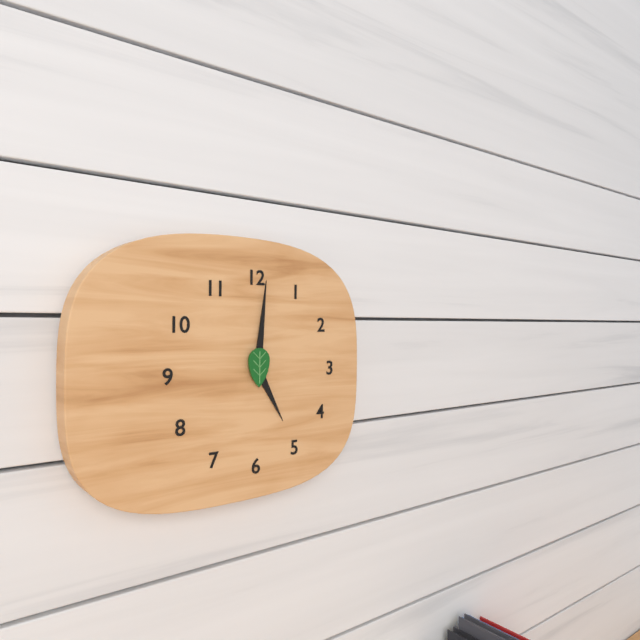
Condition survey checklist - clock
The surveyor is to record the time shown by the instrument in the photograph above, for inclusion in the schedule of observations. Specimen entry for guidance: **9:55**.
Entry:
**5:01**
